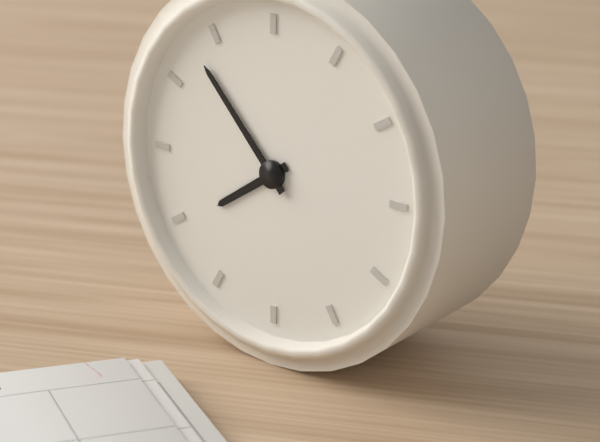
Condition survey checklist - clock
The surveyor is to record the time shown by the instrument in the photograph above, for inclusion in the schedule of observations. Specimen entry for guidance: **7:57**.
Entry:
**7:53**
